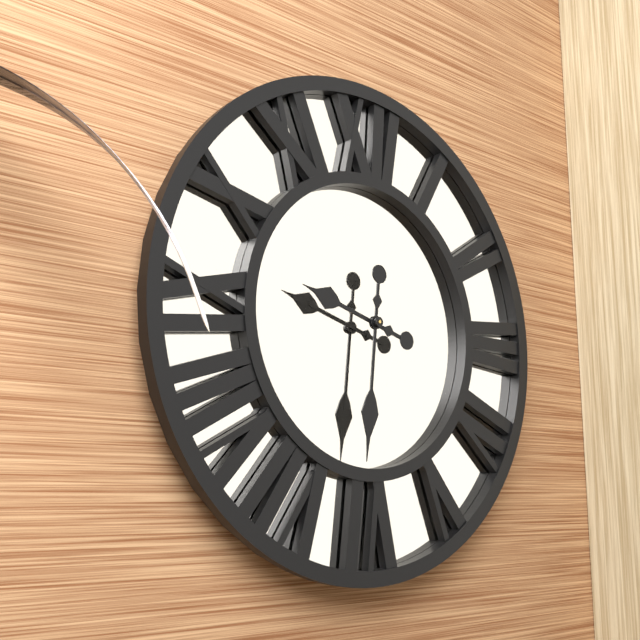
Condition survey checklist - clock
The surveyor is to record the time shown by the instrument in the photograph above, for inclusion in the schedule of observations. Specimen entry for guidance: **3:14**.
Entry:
**9:31**
